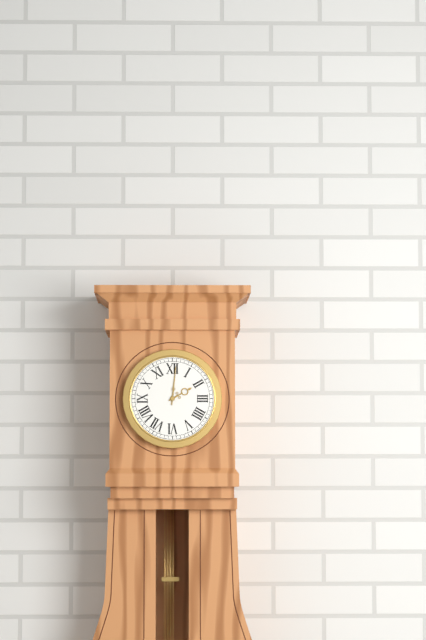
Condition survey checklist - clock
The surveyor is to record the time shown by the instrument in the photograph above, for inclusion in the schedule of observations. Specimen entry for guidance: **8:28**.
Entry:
**2:01**
